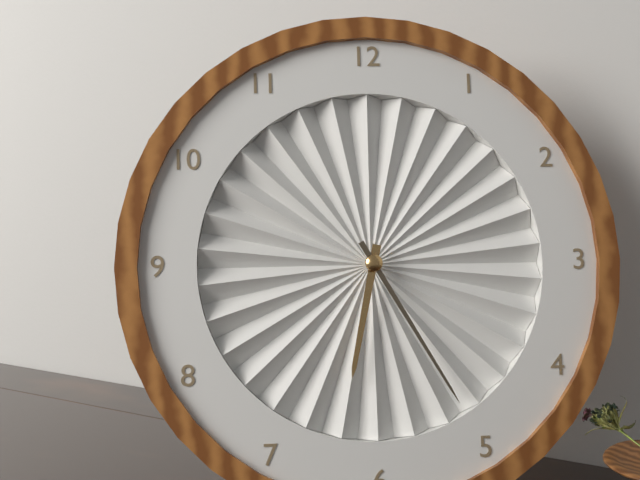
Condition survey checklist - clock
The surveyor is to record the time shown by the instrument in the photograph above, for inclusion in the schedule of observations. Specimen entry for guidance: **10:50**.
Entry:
**6:25**
